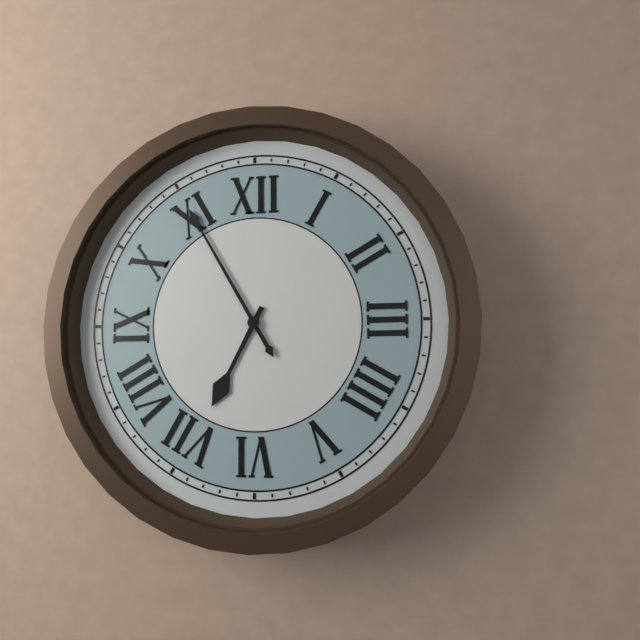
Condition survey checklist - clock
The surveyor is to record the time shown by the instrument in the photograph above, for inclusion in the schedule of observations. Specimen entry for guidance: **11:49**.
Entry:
**6:55**
